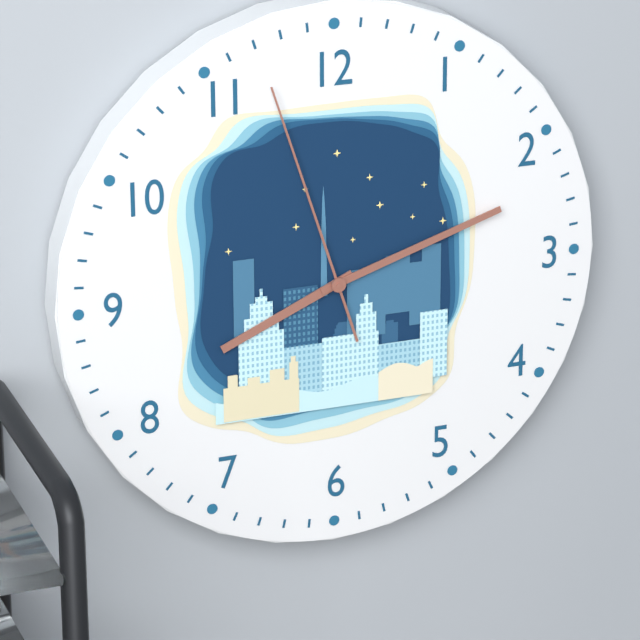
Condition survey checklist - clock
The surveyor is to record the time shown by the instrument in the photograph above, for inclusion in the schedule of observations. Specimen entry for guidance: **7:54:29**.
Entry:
**8:12:57**
